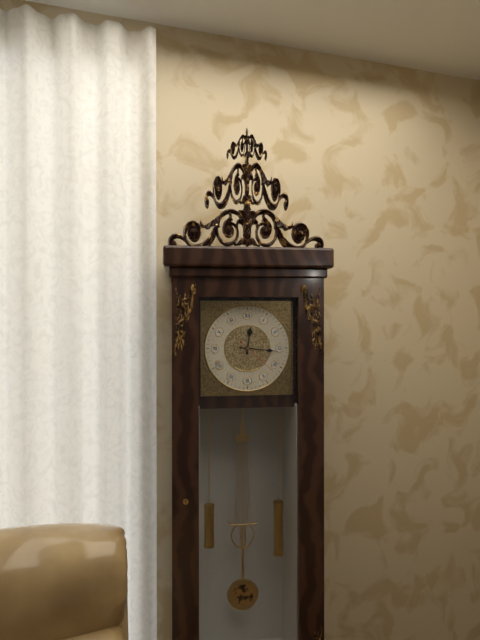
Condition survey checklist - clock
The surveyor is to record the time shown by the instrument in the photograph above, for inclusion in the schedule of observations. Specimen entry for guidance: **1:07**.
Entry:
**12:16**
